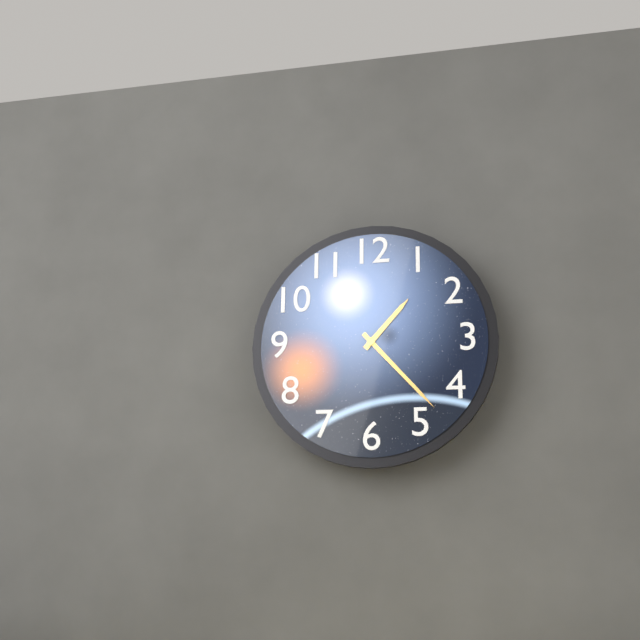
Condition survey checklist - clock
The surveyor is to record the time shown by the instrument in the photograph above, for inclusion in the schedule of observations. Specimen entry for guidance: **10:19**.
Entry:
**1:23**
